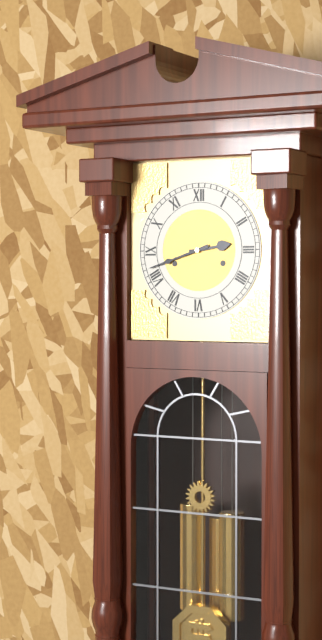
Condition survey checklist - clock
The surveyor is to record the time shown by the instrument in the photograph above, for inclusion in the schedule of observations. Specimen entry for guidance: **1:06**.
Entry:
**2:42**
